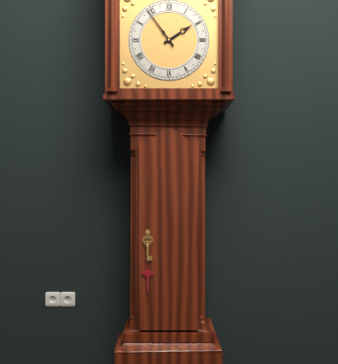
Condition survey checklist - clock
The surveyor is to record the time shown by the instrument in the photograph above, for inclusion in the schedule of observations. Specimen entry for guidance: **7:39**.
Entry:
**1:54**
